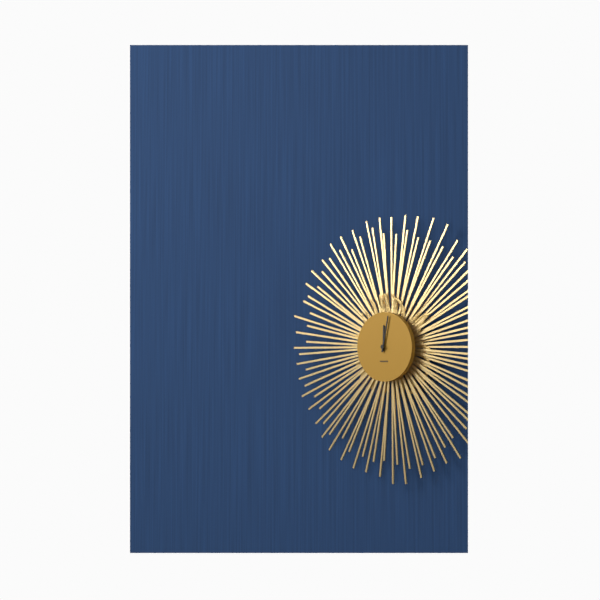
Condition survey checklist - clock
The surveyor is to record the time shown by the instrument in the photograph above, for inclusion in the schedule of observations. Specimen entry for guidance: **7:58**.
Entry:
**12:02**
